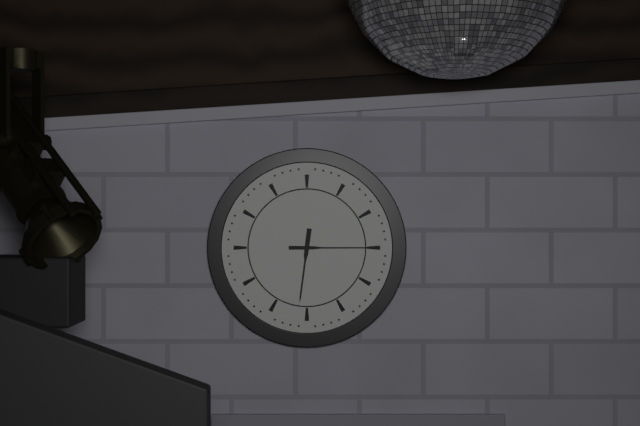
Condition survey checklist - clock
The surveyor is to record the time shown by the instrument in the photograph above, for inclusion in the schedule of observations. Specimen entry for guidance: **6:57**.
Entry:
**6:15**
